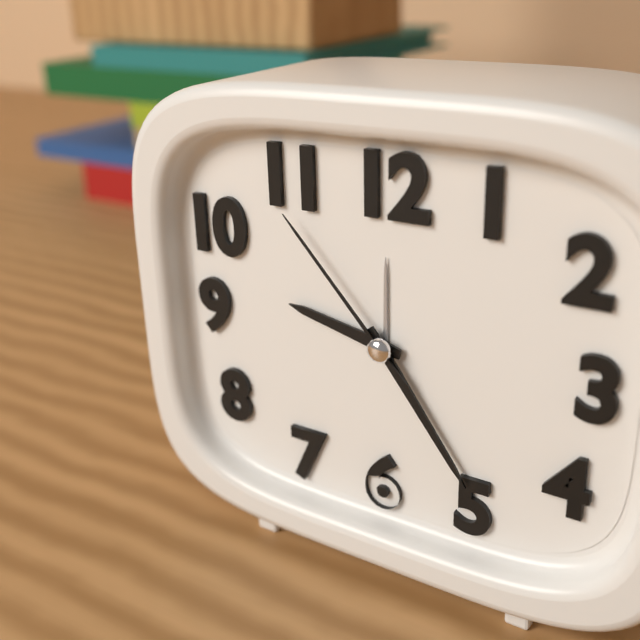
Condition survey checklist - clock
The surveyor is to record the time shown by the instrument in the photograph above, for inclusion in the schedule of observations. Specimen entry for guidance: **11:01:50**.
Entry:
**9:24:53**
